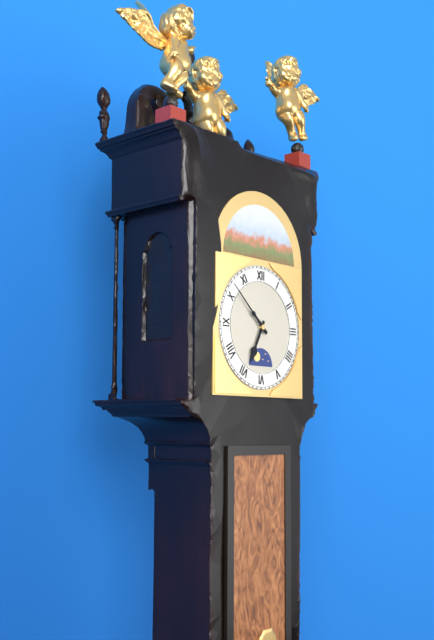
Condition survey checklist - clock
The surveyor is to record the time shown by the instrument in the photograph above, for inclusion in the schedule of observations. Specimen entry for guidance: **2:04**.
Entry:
**6:52**
